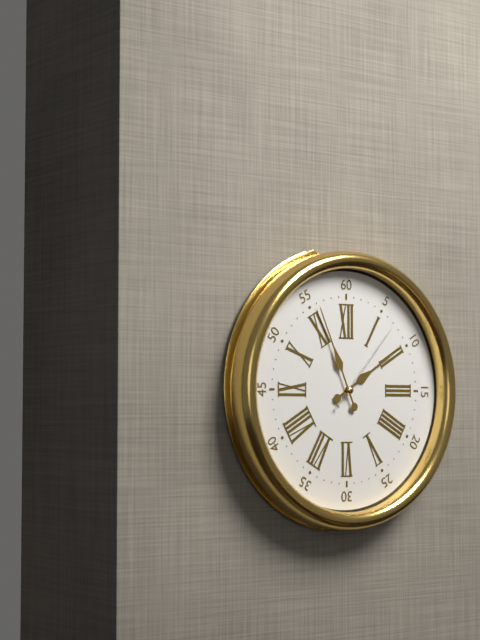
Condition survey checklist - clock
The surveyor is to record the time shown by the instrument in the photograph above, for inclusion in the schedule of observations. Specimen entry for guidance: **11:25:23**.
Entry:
**1:56:07**
